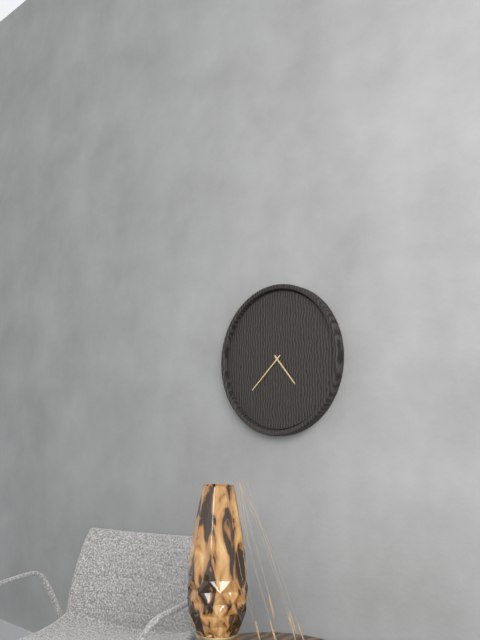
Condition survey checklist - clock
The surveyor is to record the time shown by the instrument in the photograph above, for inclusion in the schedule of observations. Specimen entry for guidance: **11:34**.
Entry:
**4:38**
